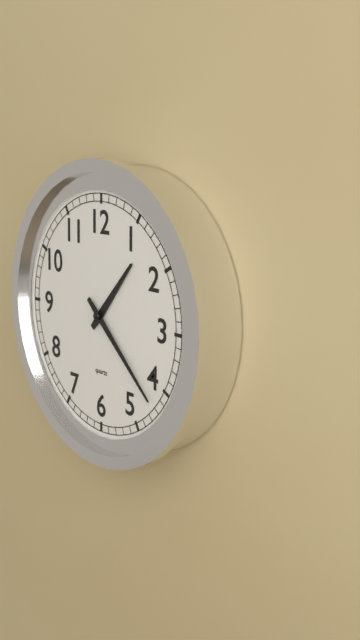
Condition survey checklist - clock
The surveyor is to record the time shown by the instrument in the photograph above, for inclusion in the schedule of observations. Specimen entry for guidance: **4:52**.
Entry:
**1:22**
